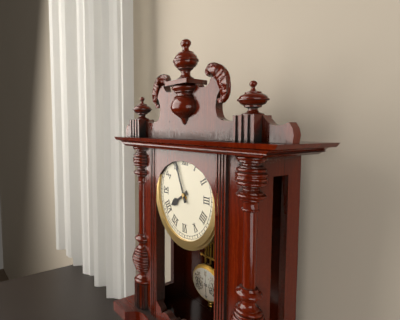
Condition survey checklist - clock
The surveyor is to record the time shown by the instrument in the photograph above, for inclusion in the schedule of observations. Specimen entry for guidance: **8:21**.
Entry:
**7:56**
